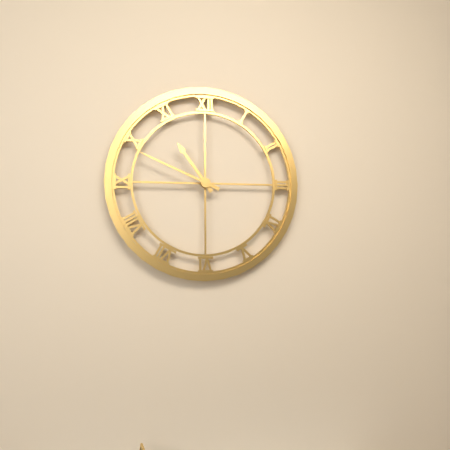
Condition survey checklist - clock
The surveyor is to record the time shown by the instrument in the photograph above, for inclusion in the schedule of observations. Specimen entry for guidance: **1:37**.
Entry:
**10:49**
